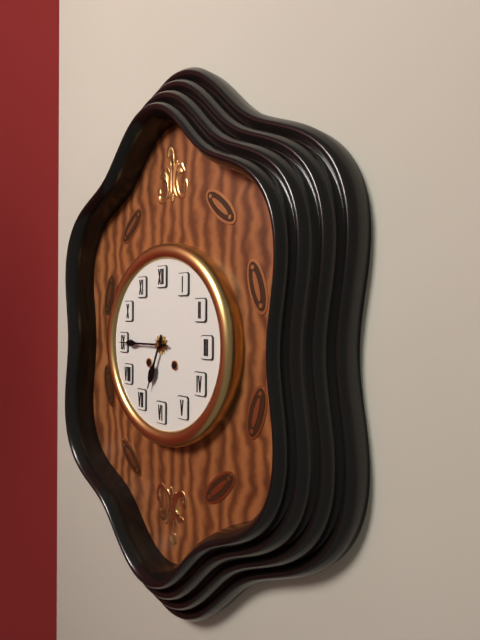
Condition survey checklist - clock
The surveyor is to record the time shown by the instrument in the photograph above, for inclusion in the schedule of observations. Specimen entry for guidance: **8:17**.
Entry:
**6:45**
